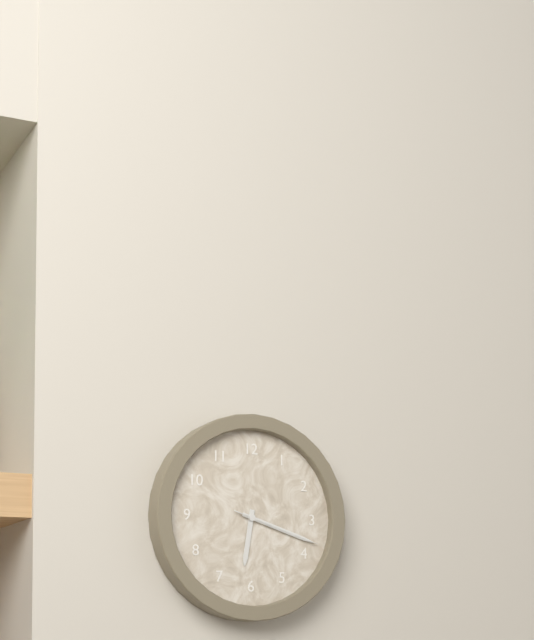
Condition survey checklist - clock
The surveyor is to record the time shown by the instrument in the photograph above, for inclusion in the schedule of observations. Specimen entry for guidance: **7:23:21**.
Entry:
**6:18:18**
